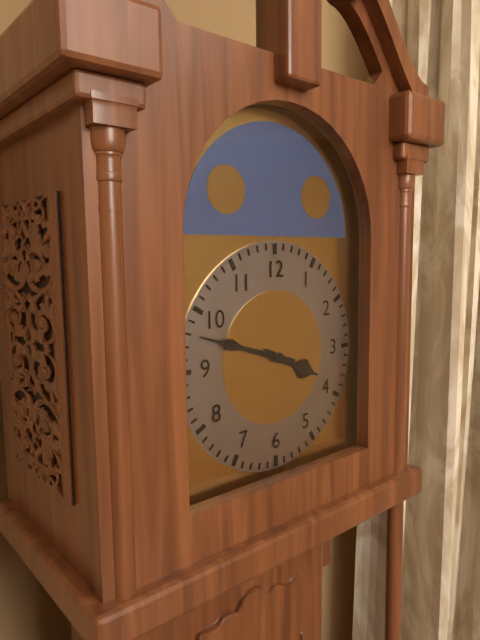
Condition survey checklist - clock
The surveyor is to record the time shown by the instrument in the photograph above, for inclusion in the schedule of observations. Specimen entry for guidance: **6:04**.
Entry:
**3:48**
